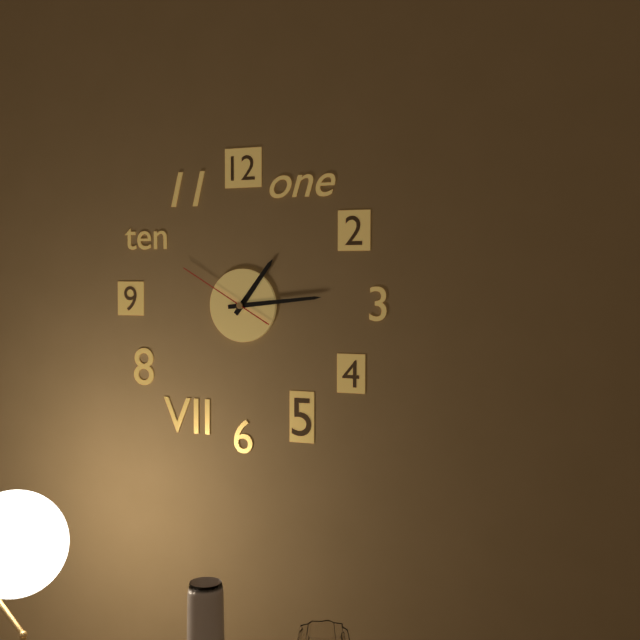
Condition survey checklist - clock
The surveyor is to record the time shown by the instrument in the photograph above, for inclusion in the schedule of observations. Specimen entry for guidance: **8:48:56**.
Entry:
**1:14:50**
